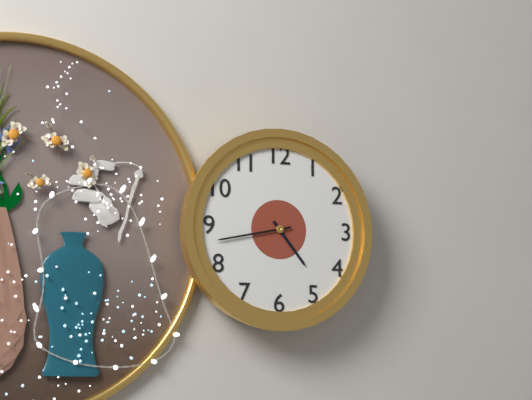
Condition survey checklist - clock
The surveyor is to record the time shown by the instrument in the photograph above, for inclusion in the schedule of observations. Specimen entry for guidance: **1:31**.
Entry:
**4:43**
